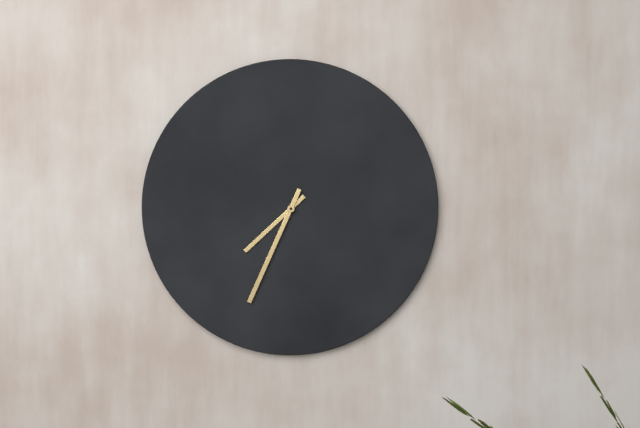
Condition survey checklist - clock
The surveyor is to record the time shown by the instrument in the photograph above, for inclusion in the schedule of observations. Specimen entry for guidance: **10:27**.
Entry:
**7:34**
